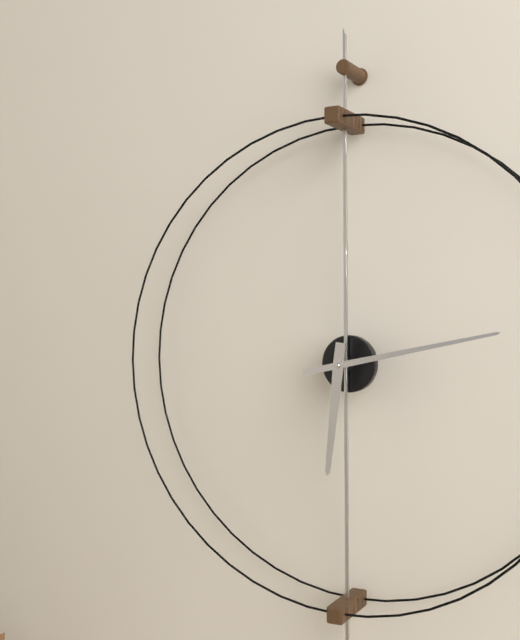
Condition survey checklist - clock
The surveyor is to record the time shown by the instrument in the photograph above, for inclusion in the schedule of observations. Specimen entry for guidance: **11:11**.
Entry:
**6:13**
